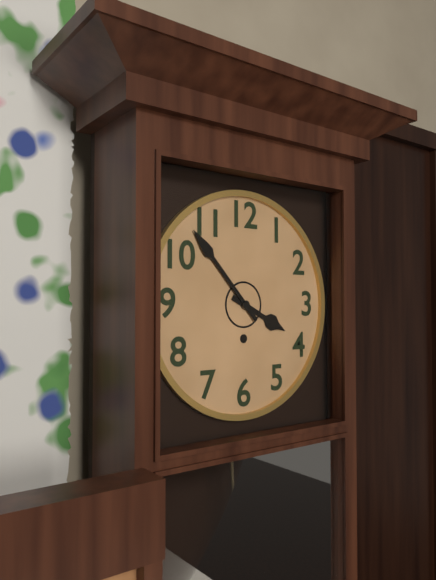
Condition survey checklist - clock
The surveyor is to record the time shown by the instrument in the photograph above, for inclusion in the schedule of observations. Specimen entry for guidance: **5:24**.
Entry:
**3:53**
